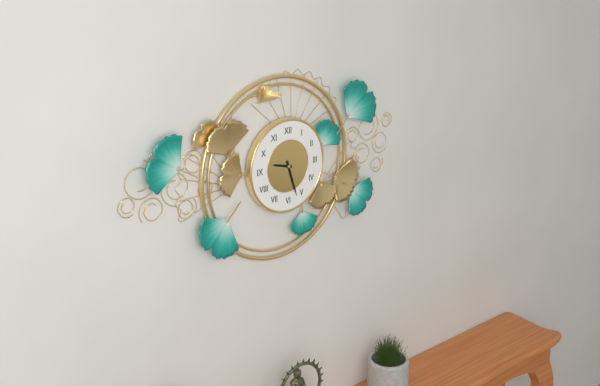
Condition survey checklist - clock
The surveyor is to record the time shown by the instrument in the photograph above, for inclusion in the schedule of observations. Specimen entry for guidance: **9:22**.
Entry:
**9:27**
